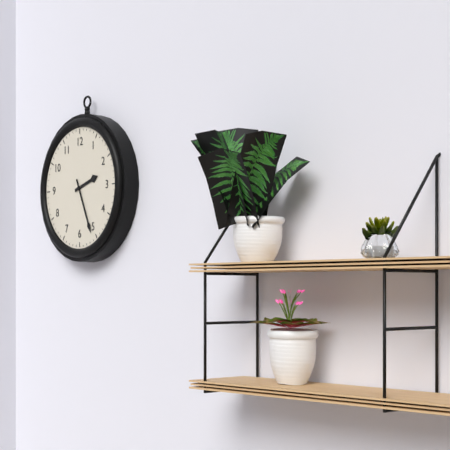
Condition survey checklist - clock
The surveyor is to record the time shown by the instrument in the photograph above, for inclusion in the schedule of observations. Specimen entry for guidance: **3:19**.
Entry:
**2:26**
